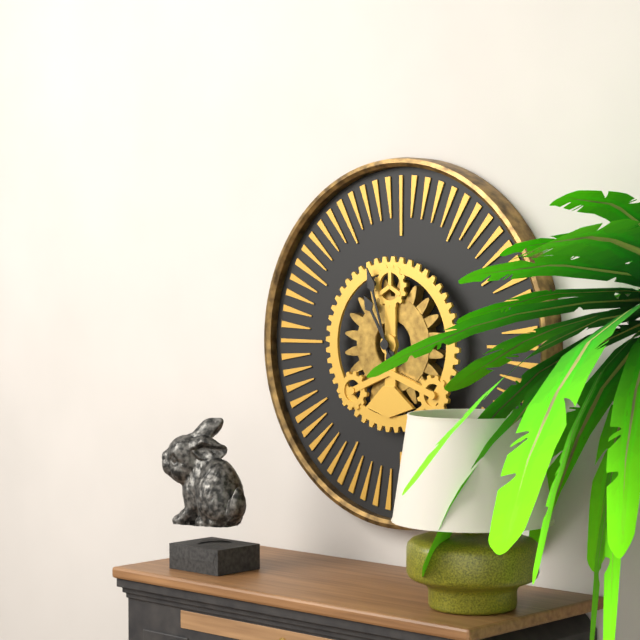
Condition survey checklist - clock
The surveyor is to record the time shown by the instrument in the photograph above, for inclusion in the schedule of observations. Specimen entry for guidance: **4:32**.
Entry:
**10:57**
